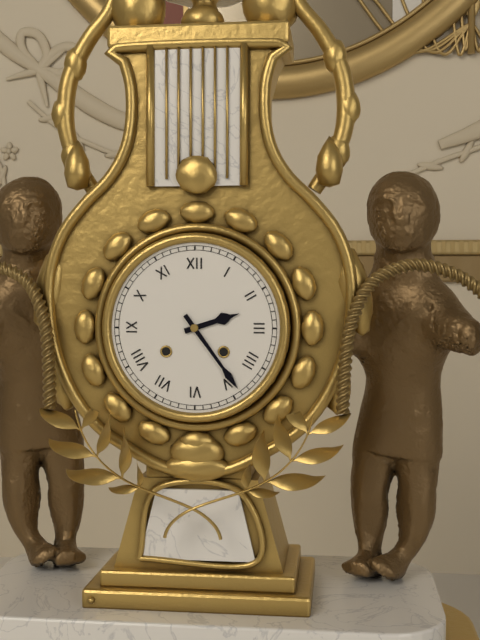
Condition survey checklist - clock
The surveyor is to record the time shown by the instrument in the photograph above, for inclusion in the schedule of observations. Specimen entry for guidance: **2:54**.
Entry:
**2:24**
